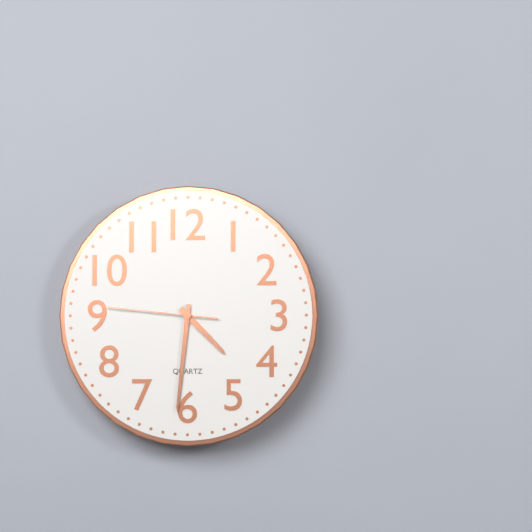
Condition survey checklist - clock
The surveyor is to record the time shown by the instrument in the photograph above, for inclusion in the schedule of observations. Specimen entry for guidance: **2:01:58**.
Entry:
**4:31:46**
